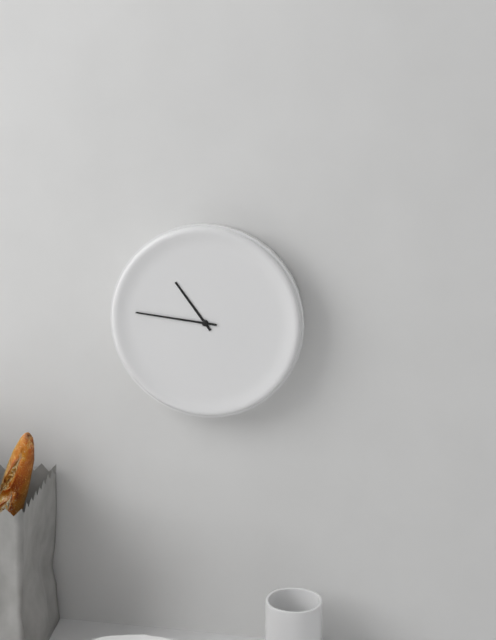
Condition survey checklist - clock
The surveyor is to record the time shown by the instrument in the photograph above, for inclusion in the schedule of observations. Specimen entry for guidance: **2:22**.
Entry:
**10:46**
